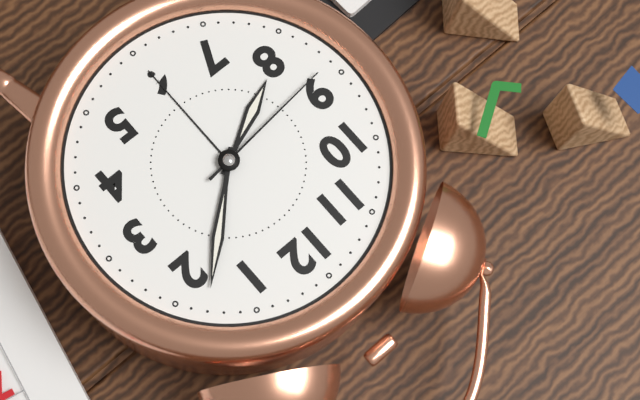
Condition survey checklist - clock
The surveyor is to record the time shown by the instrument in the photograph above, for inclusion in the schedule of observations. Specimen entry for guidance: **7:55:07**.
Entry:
**8:08:44**
